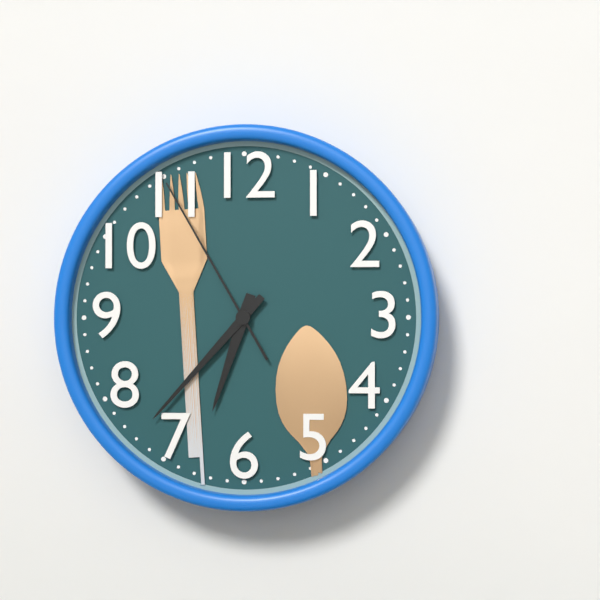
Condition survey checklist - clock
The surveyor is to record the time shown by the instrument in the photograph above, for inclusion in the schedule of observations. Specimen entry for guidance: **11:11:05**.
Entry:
**6:37:55**
